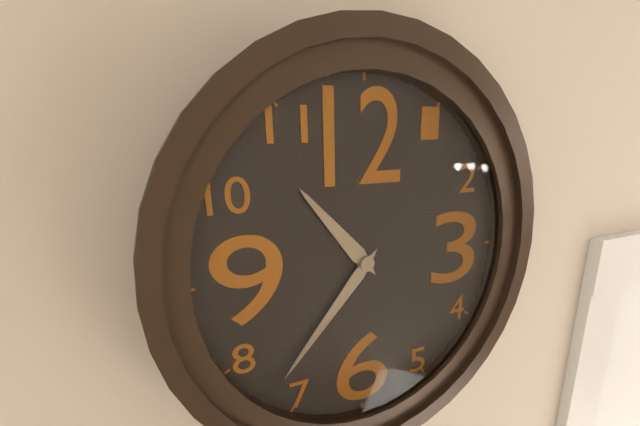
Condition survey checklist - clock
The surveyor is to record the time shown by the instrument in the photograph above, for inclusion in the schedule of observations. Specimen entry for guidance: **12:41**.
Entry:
**10:37**
